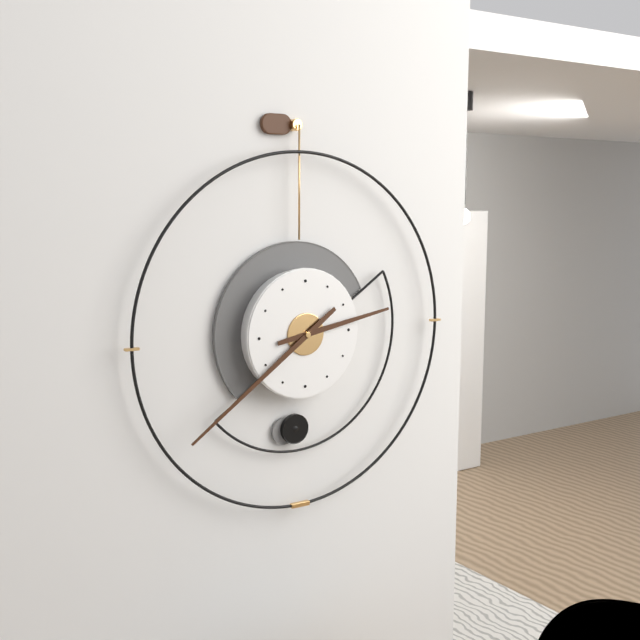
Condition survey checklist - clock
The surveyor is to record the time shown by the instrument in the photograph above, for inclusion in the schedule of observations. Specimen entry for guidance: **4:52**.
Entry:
**2:39**
